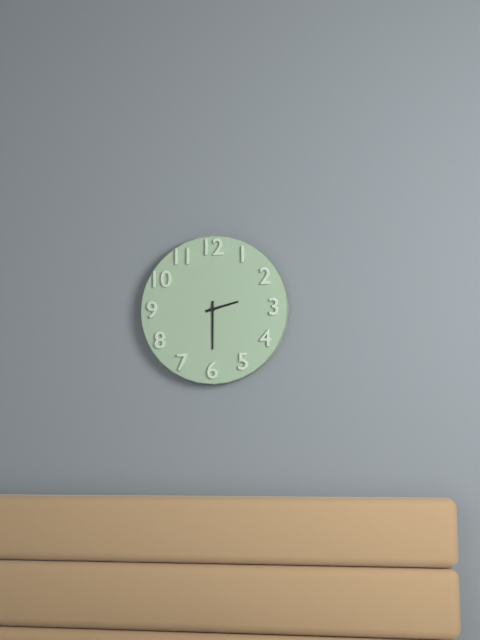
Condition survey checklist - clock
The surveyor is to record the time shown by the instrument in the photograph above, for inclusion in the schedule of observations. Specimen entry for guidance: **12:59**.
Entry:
**2:30**
